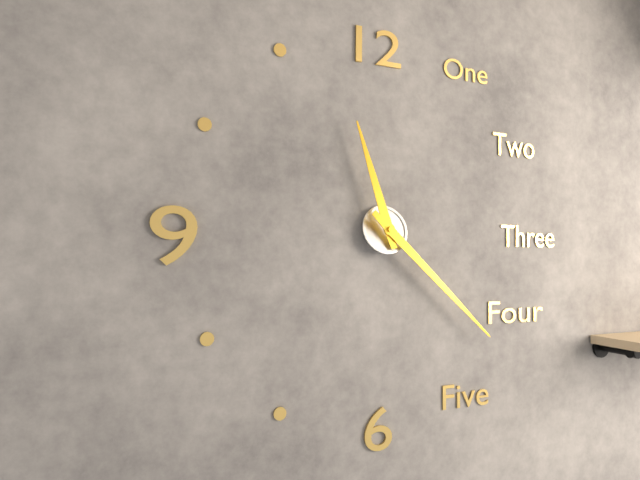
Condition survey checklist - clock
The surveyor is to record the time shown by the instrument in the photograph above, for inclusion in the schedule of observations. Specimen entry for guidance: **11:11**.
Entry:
**11:22**
